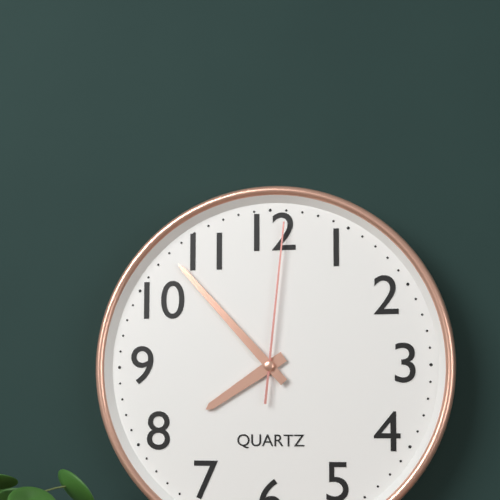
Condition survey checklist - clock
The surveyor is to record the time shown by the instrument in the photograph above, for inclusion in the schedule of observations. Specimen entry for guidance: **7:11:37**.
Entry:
**7:53:01**
